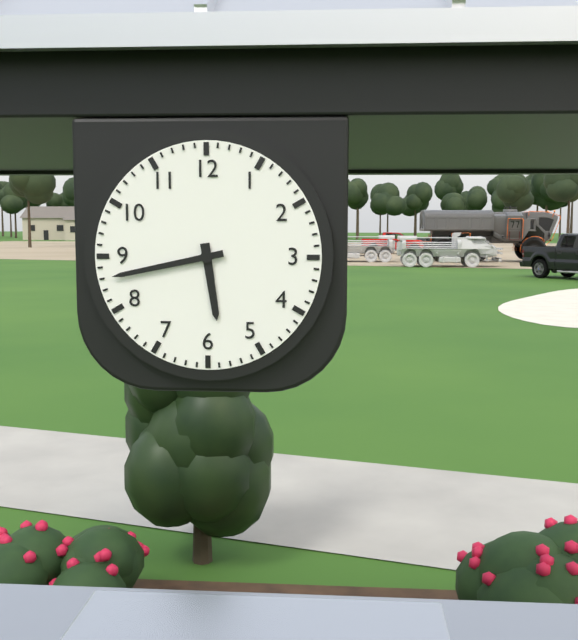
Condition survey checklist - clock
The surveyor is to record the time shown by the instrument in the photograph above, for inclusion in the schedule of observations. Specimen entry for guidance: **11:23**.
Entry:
**5:43**
